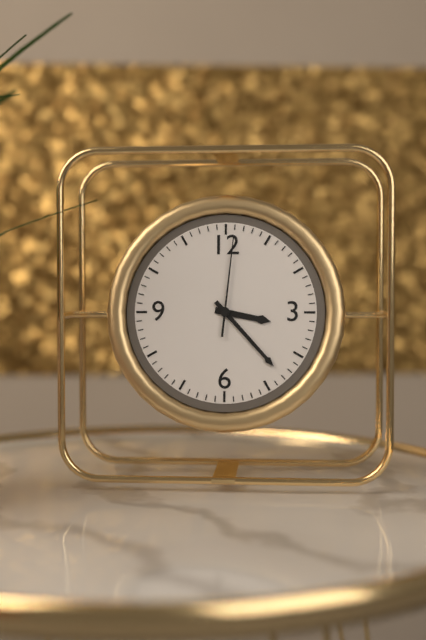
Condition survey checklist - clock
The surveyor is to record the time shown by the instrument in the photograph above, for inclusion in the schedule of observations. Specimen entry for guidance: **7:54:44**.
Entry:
**3:23:01**
